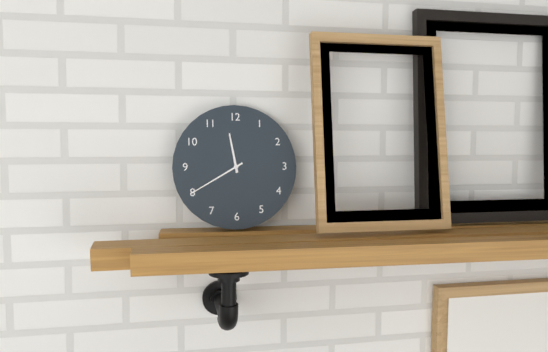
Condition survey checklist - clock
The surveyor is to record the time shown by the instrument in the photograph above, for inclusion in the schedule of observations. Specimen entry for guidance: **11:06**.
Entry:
**11:40**
